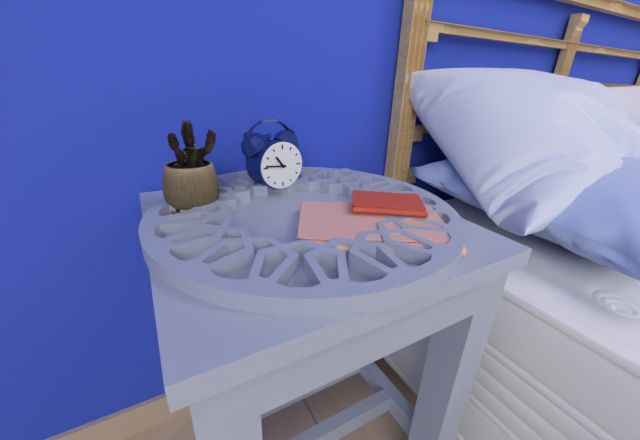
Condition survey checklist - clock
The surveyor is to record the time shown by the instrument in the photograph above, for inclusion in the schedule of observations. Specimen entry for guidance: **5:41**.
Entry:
**10:46**
